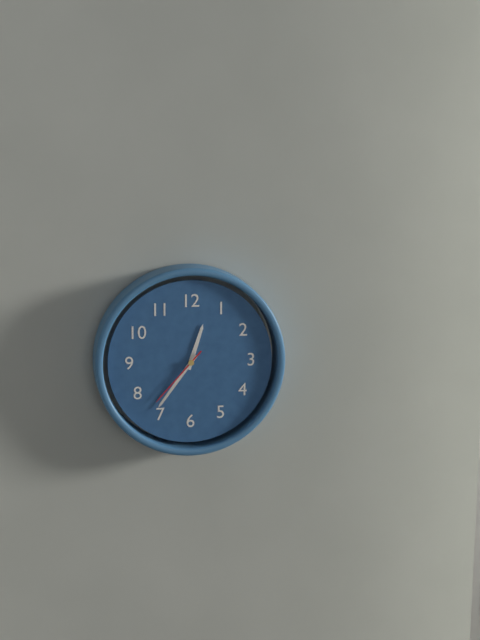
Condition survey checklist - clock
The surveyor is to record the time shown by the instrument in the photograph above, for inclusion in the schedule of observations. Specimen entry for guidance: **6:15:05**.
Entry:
**12:36:37**
